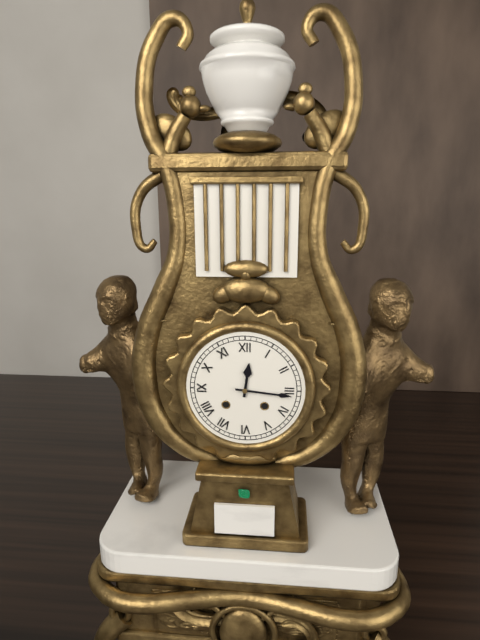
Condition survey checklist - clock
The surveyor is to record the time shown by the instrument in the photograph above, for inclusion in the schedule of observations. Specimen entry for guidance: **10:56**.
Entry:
**12:16**
